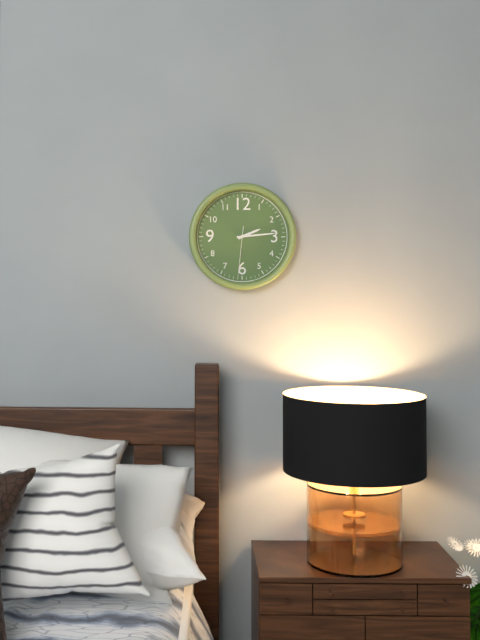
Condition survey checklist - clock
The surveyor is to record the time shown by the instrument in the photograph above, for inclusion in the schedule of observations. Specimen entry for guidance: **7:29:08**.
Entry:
**2:14:31**
